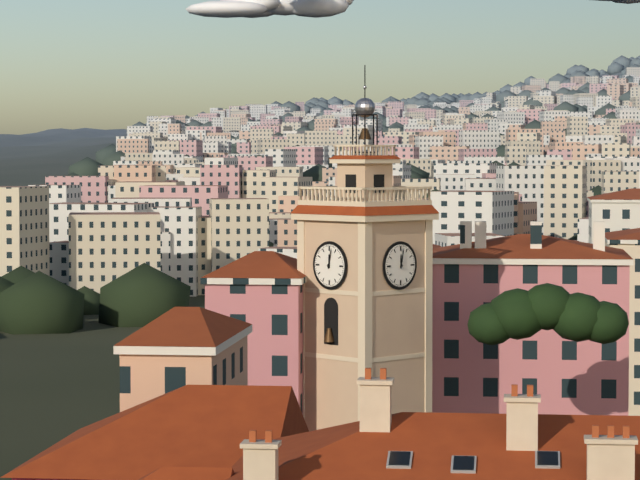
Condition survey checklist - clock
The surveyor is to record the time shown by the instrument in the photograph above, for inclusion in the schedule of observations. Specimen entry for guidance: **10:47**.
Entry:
**12:02**
